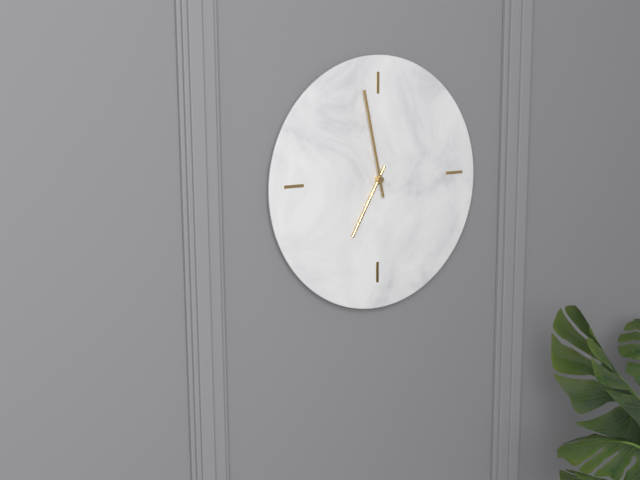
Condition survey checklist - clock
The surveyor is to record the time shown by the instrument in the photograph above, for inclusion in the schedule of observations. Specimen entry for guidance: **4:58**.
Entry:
**6:58**
